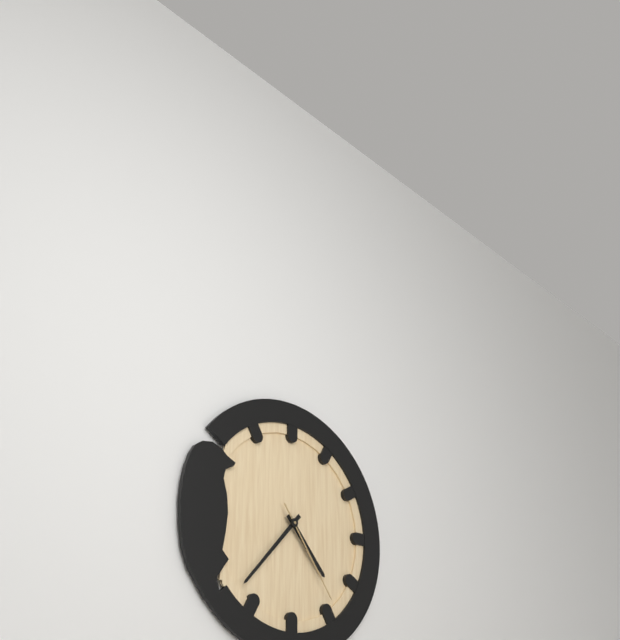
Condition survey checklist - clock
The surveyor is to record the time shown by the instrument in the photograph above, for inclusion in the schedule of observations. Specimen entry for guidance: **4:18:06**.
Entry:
**4:37:24**
